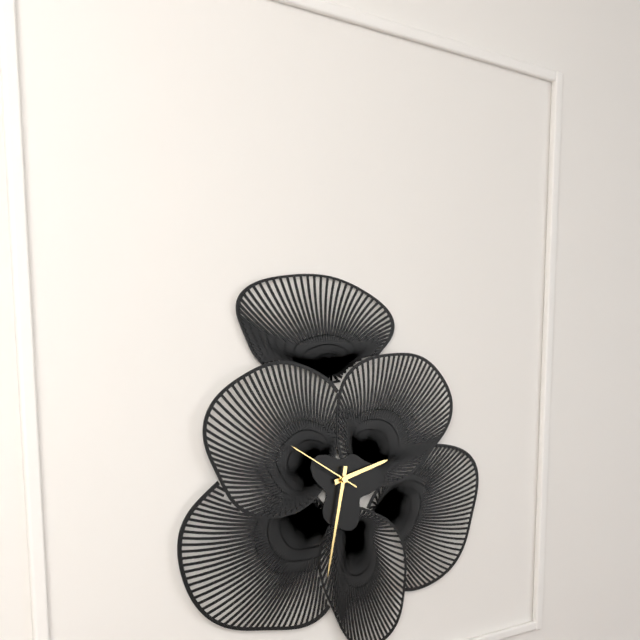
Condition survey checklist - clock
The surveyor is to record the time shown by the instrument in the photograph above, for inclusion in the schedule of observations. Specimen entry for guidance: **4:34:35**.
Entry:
**2:32:50**
